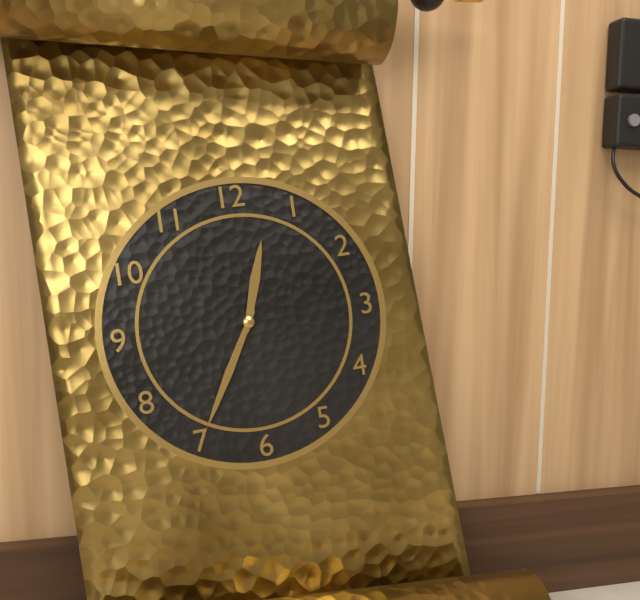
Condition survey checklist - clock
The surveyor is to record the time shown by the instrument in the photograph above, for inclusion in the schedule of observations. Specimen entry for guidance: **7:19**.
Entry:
**12:35**
